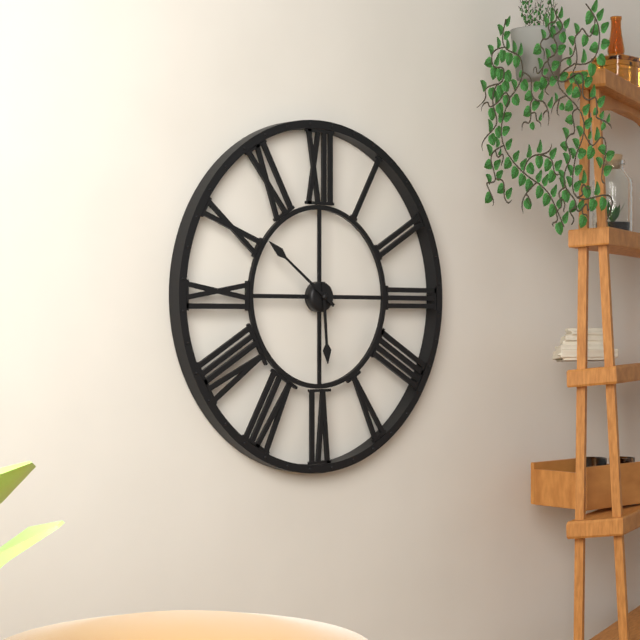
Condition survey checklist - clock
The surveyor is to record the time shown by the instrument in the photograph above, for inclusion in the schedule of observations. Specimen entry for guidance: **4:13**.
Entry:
**5:51**
